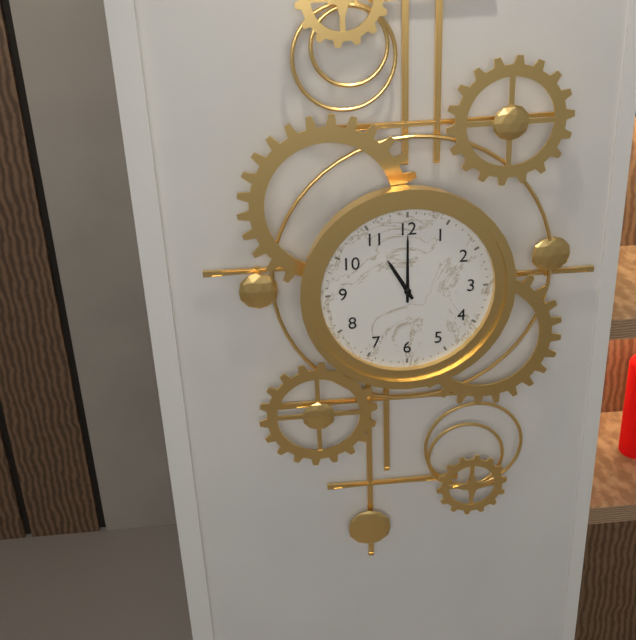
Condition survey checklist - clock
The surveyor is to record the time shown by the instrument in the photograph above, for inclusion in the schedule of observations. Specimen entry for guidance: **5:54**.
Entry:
**11:00**
